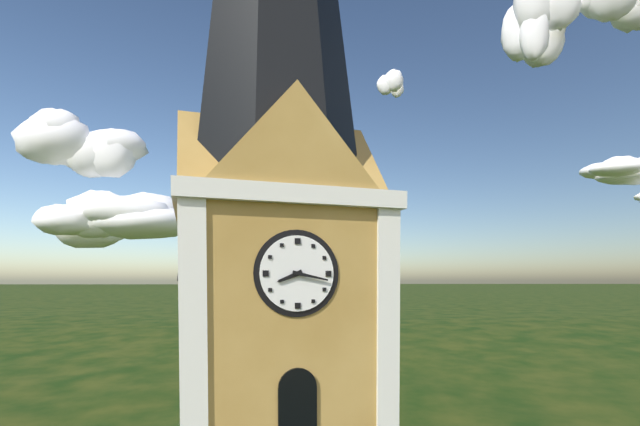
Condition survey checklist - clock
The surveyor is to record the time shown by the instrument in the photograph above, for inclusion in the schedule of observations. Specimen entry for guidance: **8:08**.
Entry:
**8:17**
